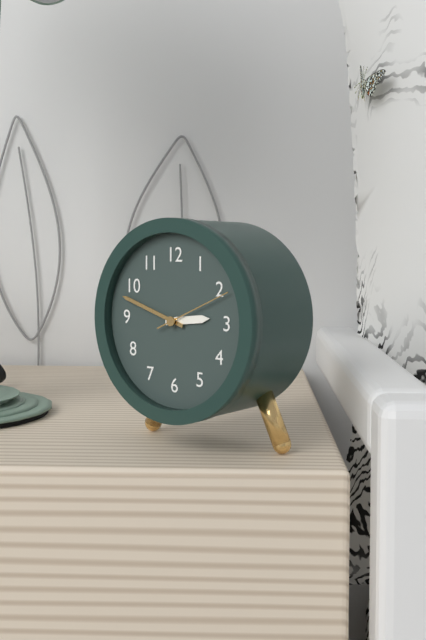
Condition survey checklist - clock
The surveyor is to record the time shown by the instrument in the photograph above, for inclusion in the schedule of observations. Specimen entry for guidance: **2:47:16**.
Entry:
**2:48:11**
